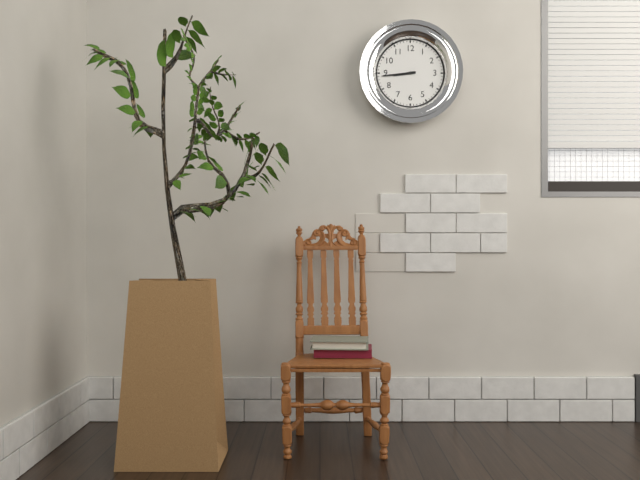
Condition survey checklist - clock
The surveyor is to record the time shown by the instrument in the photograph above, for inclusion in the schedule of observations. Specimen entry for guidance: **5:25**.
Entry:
**8:44**
